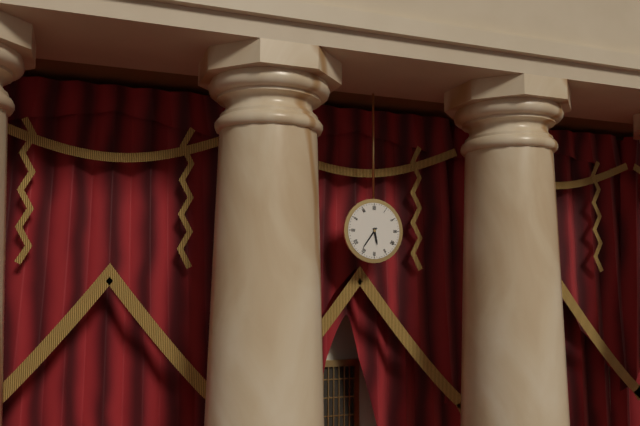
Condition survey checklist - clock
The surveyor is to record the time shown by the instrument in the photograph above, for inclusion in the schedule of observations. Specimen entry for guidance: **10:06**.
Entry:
**5:36**
